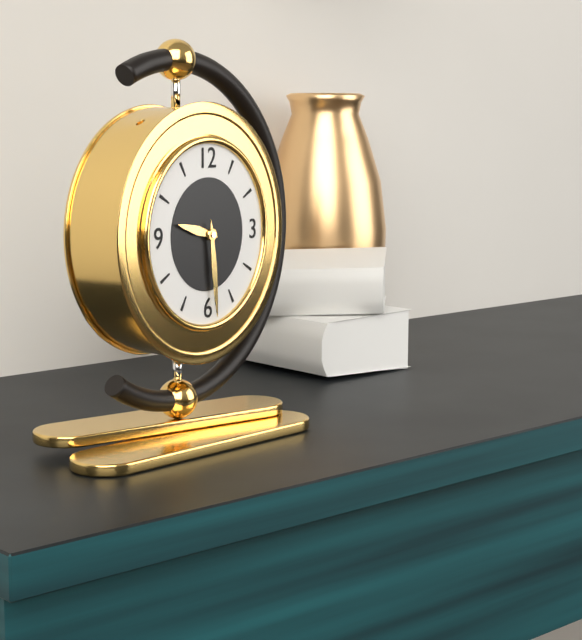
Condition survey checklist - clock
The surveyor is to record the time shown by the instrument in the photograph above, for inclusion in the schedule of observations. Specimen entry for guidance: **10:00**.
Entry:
**9:29**
